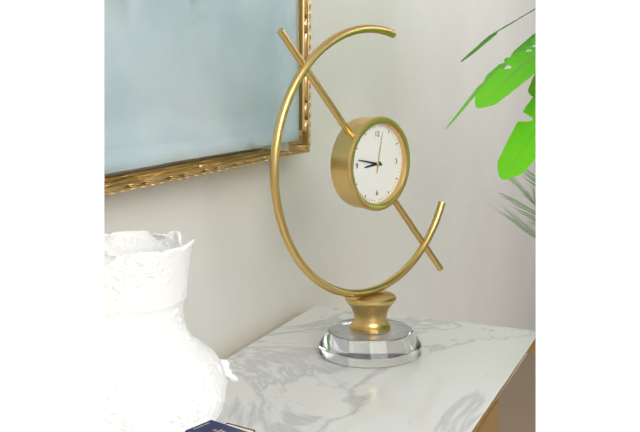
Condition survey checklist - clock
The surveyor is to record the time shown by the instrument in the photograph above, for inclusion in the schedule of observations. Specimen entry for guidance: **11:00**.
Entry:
**8:47**
